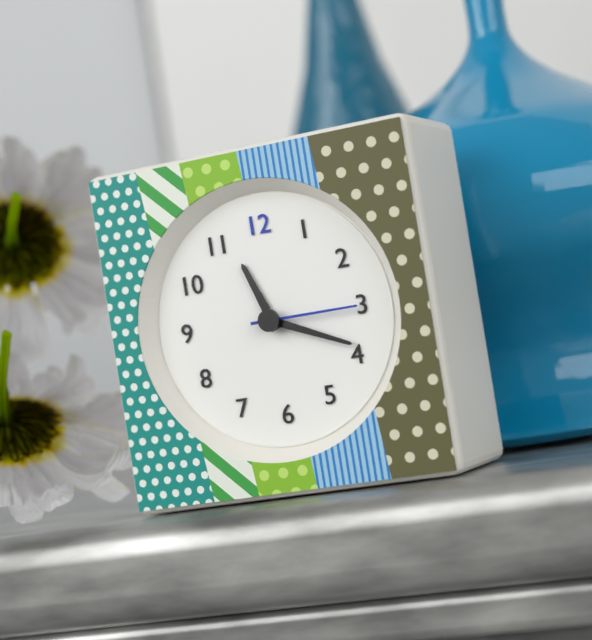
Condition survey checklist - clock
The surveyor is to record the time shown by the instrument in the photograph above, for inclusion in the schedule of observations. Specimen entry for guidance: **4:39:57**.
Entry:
**11:19:15**
